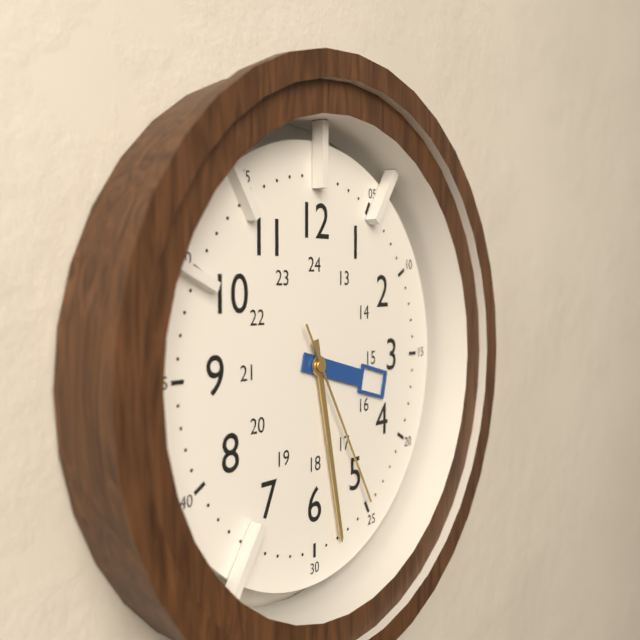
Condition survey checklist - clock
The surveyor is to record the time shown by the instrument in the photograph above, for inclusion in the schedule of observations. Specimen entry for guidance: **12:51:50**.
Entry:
**3:28:25**
